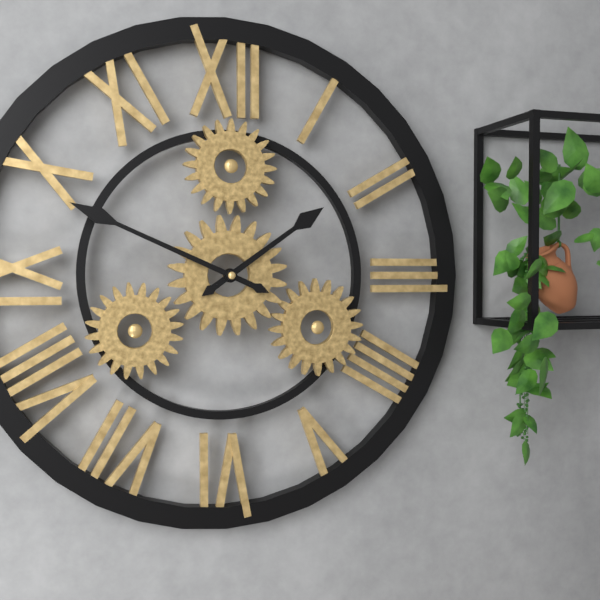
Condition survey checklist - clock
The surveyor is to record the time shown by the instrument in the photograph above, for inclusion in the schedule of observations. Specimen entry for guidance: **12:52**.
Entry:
**1:49**
